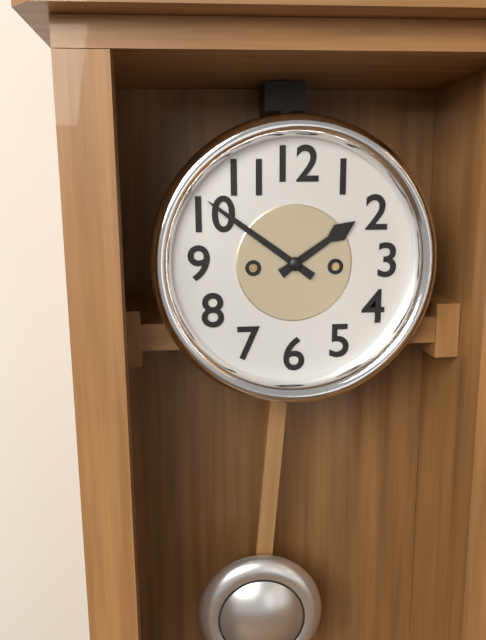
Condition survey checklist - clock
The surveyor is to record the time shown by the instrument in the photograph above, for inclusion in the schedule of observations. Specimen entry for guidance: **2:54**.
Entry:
**1:51**
